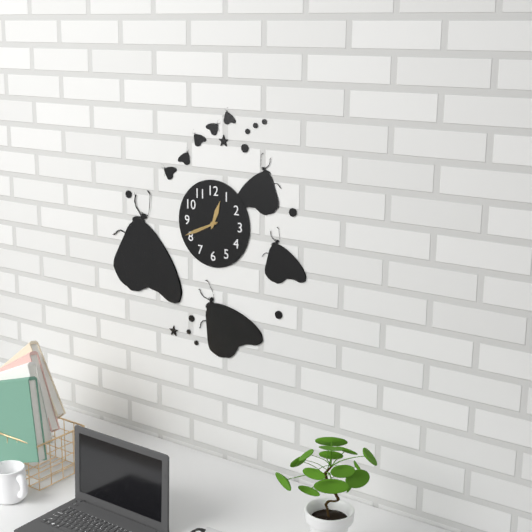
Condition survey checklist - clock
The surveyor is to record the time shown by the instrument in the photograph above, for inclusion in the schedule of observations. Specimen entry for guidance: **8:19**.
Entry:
**12:41**
